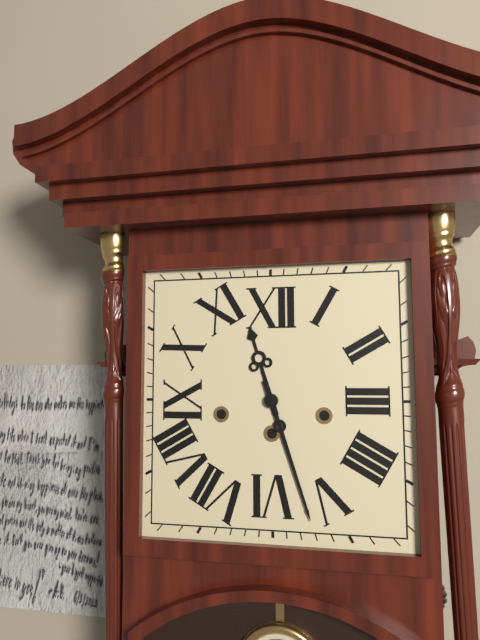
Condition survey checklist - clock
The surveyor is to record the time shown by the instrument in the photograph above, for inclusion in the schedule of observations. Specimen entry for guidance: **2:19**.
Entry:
**11:27**
